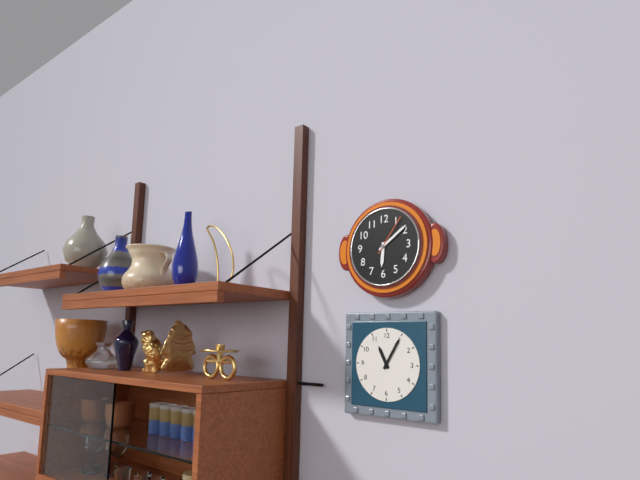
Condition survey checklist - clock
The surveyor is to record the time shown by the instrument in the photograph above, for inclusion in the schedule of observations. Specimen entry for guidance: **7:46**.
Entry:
**6:09**
